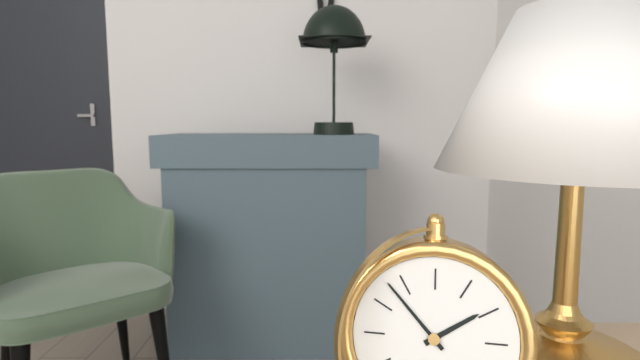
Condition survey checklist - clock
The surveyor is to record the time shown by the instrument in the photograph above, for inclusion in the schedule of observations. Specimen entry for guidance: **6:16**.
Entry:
**1:53**
